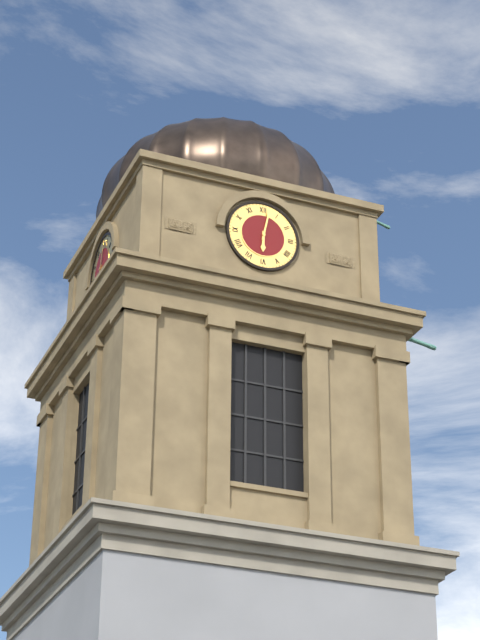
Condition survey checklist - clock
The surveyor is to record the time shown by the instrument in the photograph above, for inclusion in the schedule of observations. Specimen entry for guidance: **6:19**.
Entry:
**6:02**
